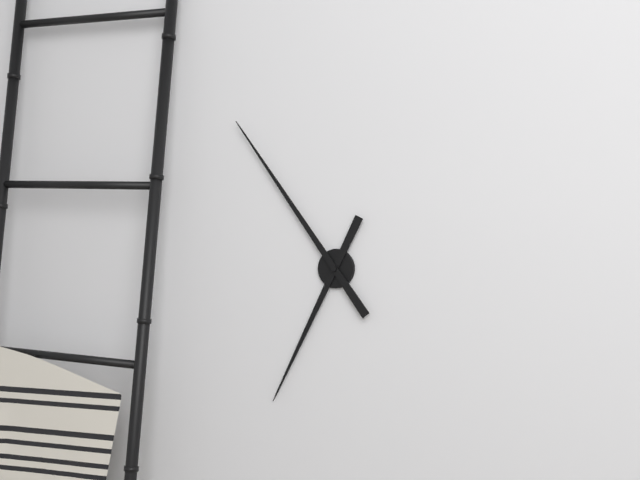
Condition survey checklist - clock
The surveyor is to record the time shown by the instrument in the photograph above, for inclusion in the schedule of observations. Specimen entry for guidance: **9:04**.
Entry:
**6:54**
